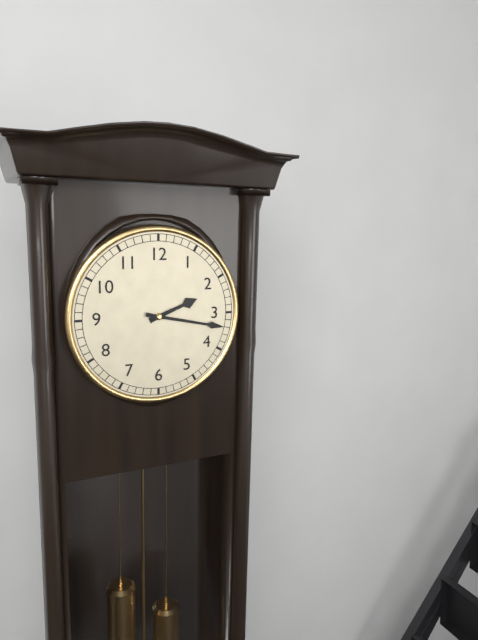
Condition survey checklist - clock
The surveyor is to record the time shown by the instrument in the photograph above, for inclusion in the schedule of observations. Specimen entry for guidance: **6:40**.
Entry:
**2:17**
